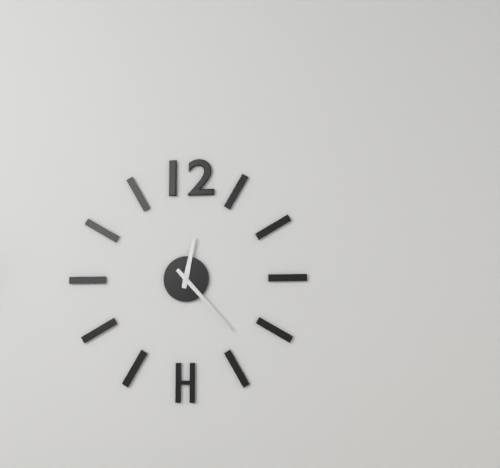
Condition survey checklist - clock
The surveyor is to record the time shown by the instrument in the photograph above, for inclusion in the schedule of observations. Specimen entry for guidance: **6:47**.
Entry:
**12:23**
